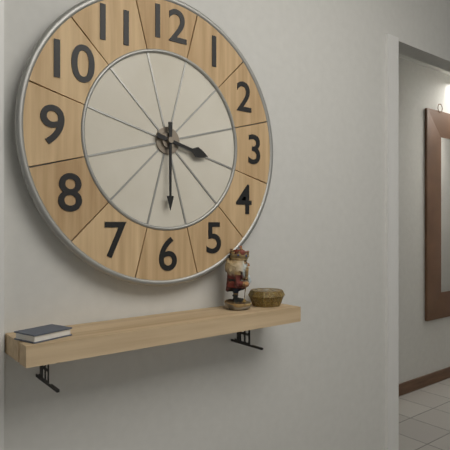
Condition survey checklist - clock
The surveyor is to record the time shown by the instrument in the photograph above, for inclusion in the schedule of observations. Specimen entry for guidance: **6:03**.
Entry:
**3:30**
